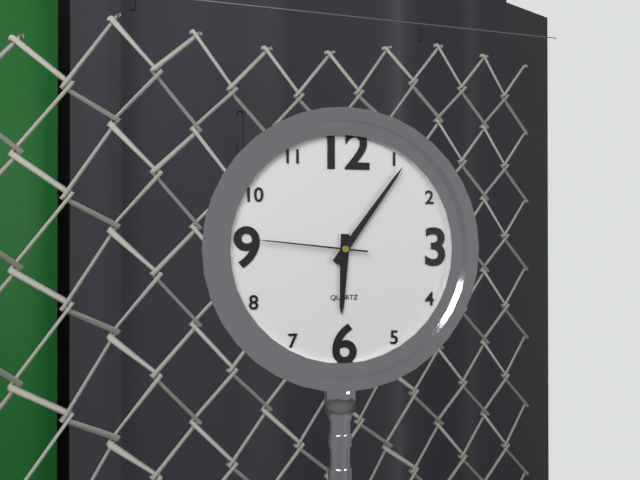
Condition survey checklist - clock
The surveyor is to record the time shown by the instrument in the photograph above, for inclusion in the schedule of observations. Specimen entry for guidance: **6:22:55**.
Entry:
**6:06:46**
